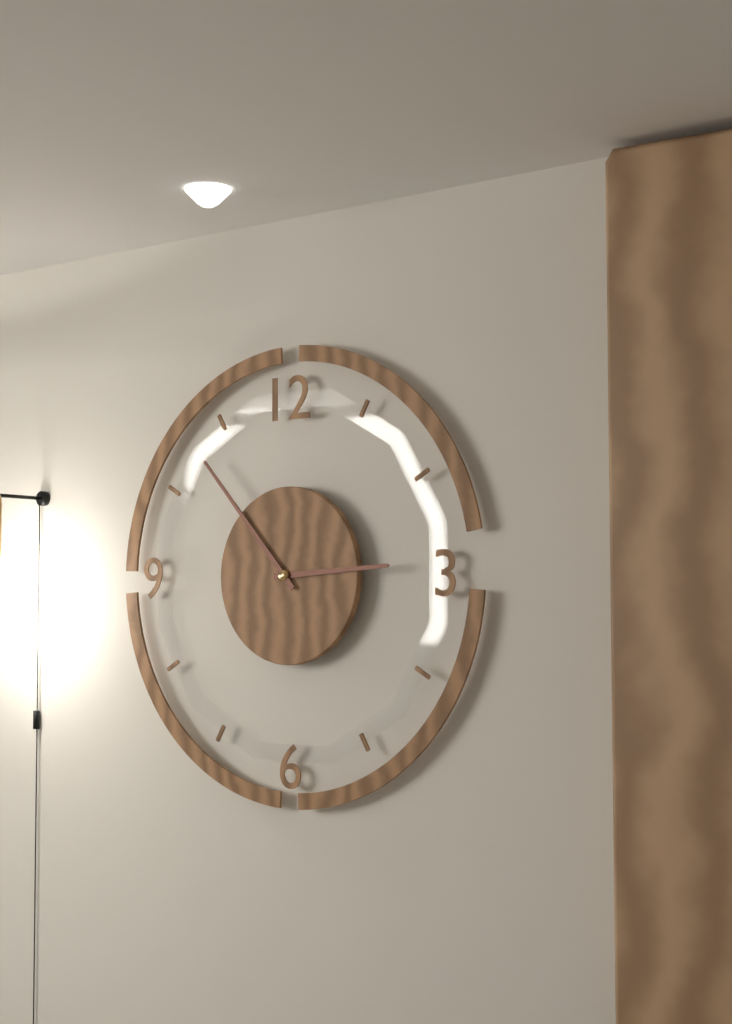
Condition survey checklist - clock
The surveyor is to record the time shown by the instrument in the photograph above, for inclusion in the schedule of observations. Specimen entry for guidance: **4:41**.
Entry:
**2:53**
